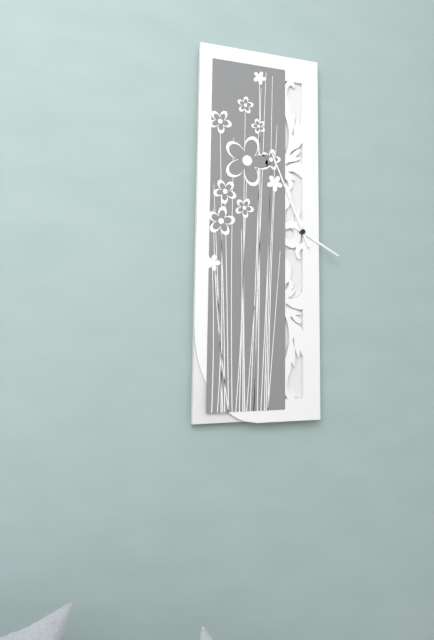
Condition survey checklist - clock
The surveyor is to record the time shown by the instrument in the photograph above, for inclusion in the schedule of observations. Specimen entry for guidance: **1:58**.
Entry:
**3:56**
